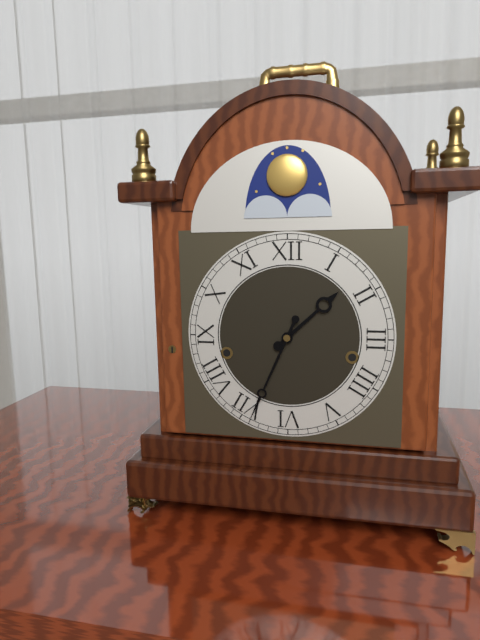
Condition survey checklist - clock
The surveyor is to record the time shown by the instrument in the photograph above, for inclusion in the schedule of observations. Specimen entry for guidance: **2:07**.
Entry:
**1:34**
